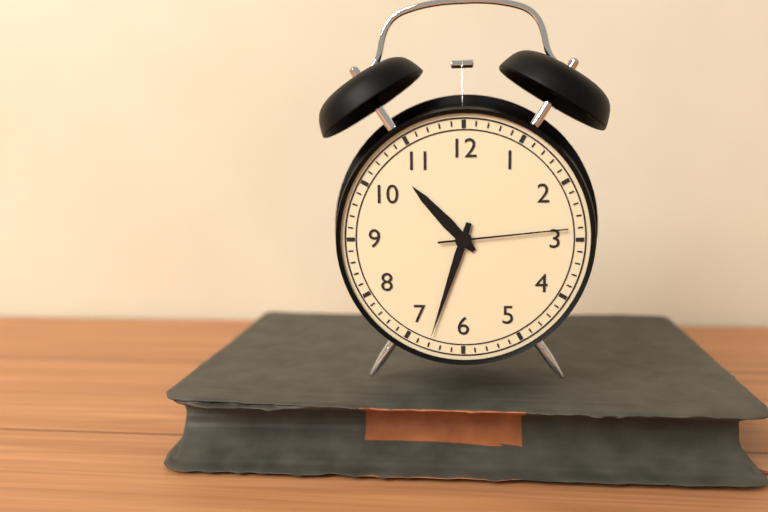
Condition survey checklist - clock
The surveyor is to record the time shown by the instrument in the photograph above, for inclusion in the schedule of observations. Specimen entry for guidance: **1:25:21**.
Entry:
**10:33:14**
